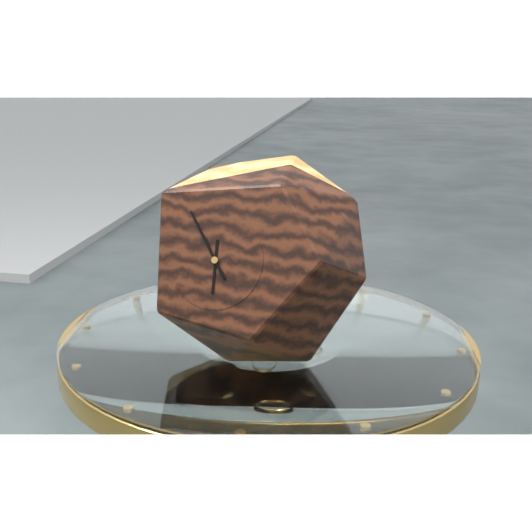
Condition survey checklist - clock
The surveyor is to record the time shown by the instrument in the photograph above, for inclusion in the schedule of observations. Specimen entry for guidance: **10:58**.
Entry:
**5:54**
